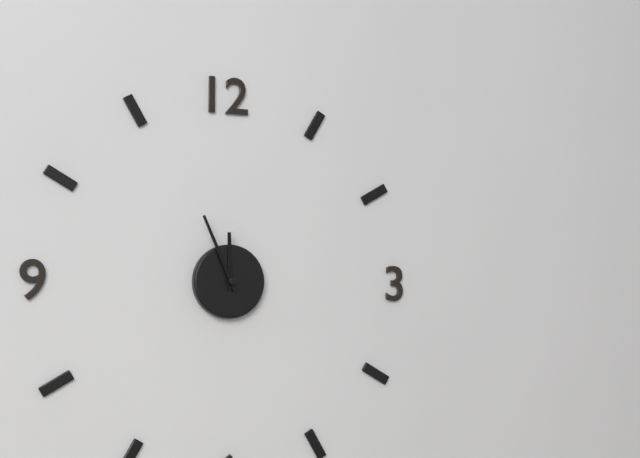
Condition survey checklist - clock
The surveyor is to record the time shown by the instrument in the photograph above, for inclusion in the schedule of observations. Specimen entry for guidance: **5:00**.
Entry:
**11:56**
